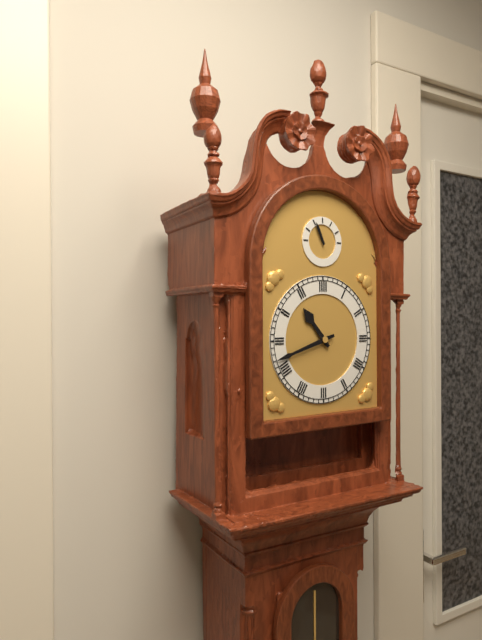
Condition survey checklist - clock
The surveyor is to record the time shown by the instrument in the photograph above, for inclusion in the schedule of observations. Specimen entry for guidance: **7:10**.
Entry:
**10:42**
